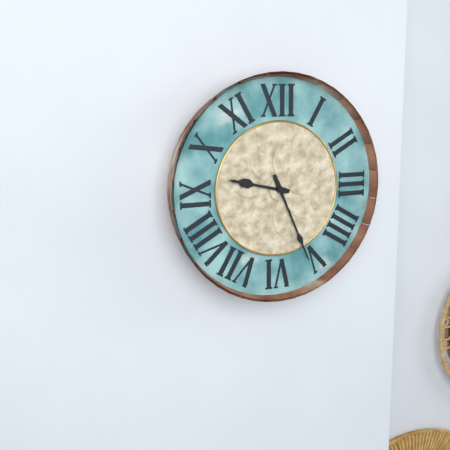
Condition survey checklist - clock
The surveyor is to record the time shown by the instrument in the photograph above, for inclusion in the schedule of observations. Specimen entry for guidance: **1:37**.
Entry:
**9:26**
